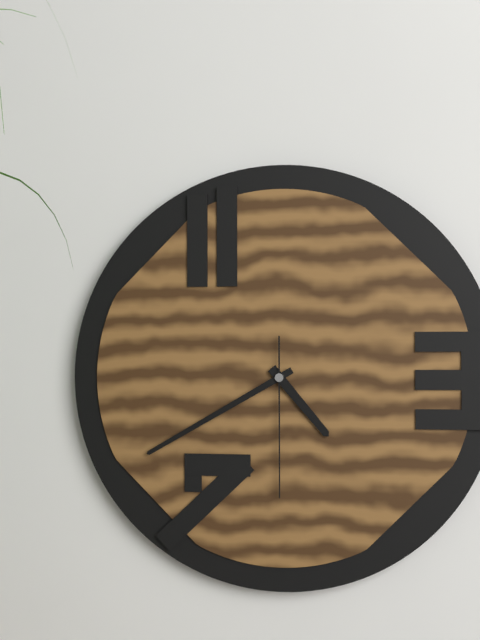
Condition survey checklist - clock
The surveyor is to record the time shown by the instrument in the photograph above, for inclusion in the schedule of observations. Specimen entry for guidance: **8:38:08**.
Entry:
**4:40:30**
